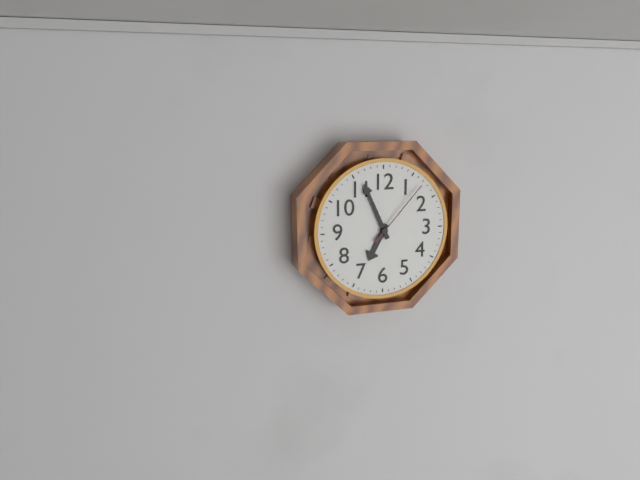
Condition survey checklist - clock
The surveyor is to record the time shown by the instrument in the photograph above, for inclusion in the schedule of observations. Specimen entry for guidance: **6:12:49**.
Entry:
**6:56:07**
